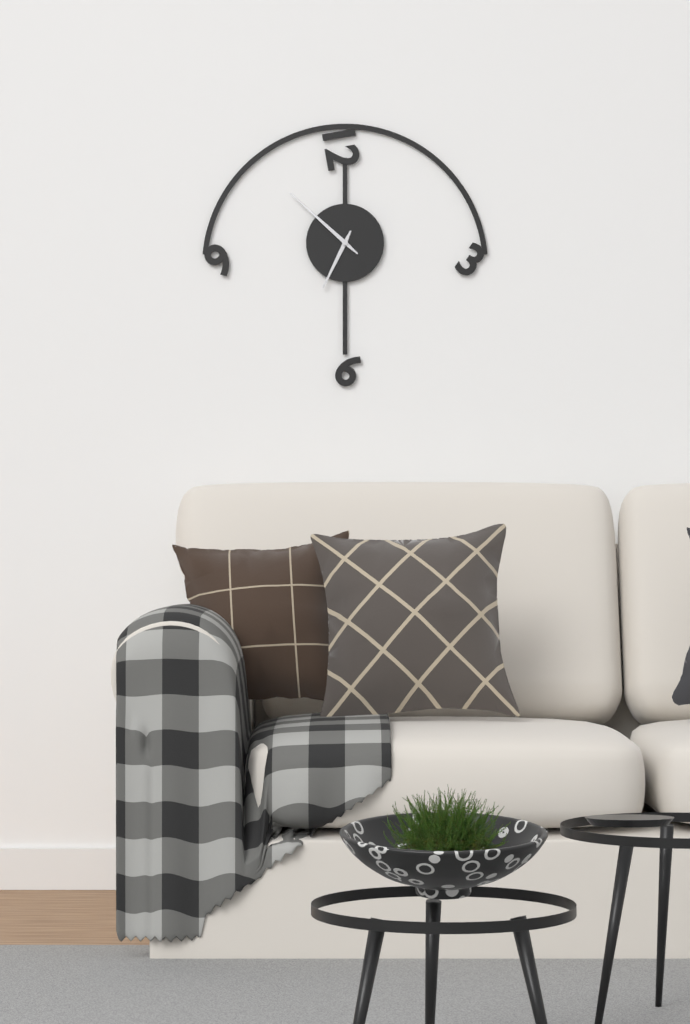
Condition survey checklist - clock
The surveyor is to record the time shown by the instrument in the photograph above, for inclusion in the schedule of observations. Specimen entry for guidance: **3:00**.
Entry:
**6:52**
